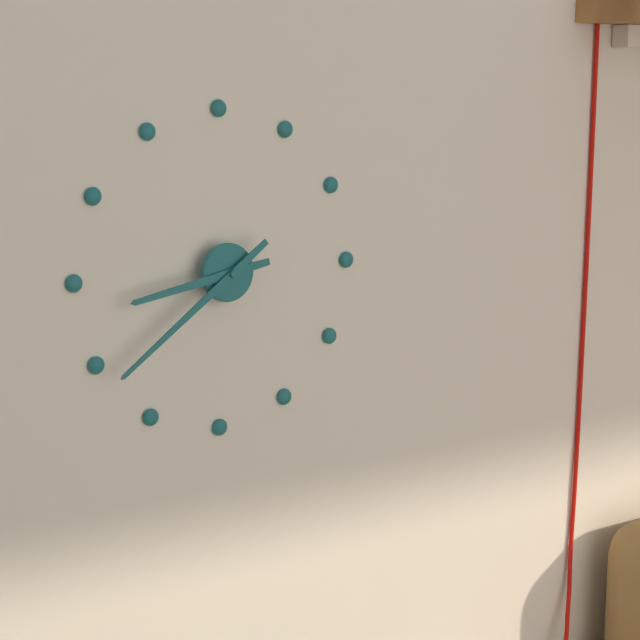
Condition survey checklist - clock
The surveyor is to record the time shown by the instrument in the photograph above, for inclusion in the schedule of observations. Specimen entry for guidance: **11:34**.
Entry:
**8:39**
